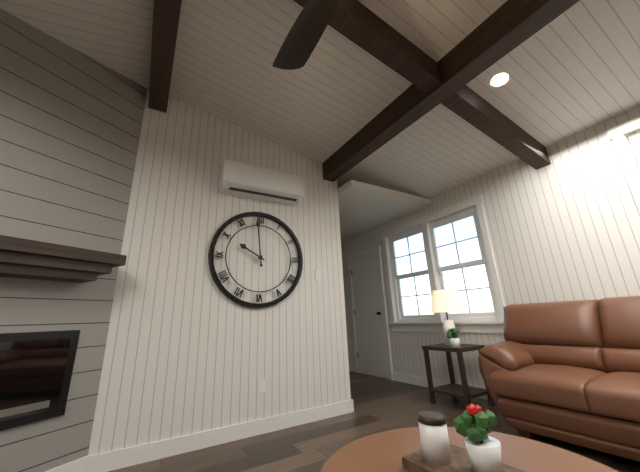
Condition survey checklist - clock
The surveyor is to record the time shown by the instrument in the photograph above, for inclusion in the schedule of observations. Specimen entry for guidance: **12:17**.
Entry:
**9:59**
